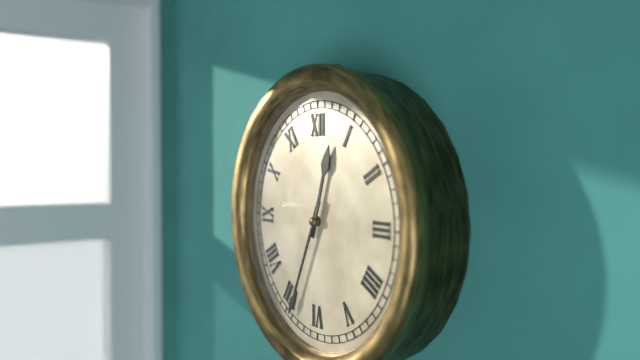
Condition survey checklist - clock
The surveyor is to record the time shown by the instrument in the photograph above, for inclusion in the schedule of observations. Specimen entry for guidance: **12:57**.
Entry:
**12:34**
